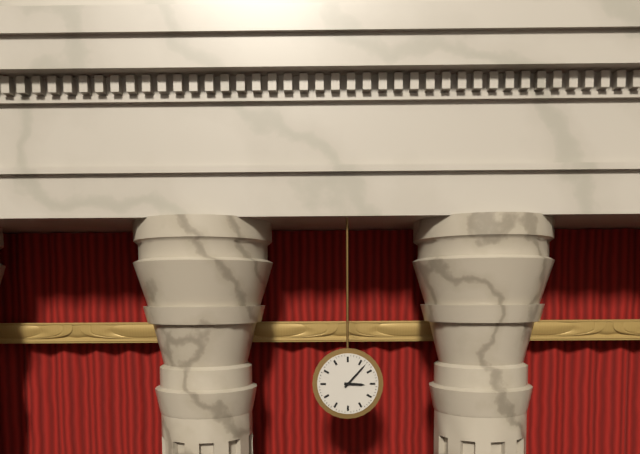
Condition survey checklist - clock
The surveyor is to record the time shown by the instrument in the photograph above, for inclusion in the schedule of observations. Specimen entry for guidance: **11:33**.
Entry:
**3:07**
